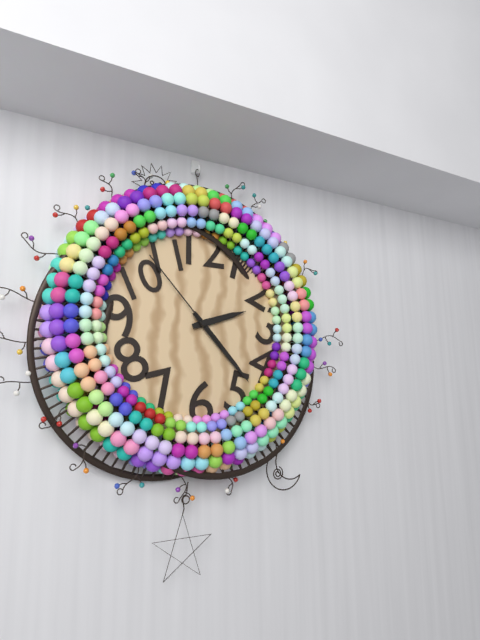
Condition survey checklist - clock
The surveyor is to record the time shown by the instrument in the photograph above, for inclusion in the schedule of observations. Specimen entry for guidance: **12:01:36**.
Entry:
**2:23:53**
